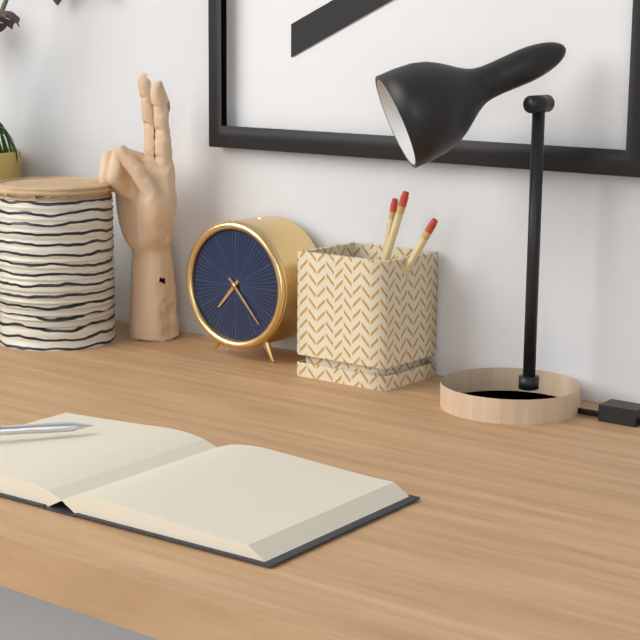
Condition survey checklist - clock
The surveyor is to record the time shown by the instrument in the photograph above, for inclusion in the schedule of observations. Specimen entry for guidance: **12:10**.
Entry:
**7:23**
